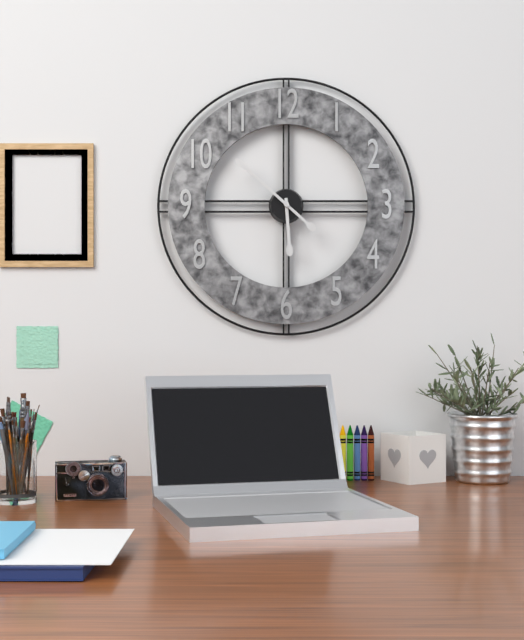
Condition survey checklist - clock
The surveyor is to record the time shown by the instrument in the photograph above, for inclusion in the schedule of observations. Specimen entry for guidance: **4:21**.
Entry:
**5:52**
